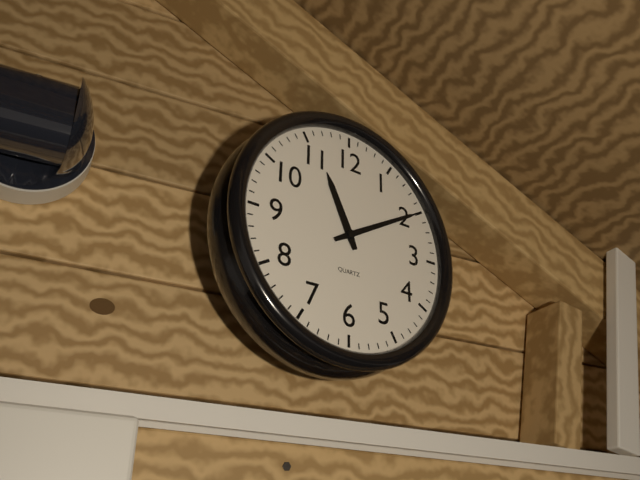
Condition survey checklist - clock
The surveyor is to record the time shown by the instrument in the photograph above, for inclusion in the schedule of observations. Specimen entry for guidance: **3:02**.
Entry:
**11:10**
